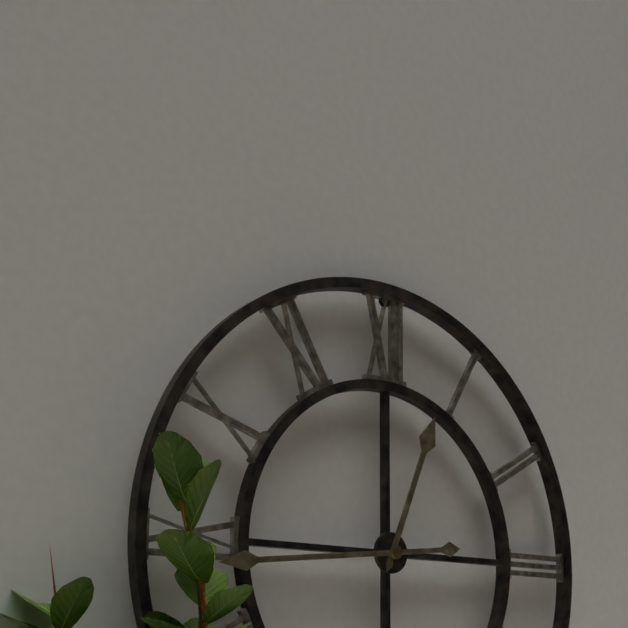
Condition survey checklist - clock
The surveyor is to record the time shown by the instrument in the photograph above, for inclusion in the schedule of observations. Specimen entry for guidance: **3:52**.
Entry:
**12:44**
